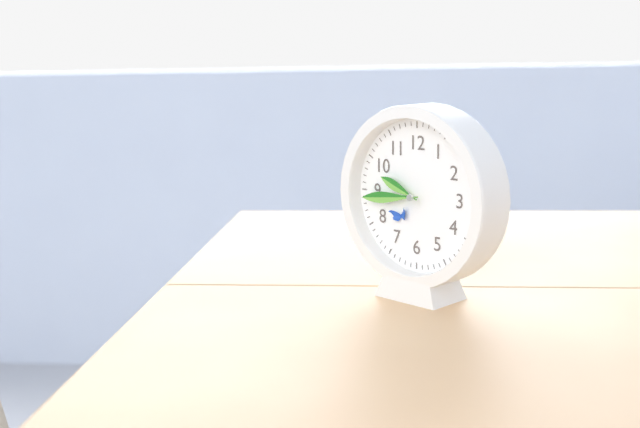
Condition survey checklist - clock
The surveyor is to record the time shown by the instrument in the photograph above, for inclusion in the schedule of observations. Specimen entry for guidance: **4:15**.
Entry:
**9:44**
